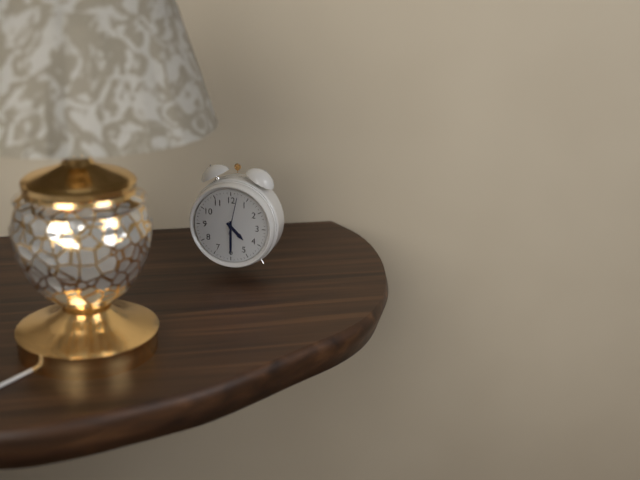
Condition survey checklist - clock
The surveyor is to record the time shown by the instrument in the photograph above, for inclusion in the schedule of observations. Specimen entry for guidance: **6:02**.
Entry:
**4:30**
